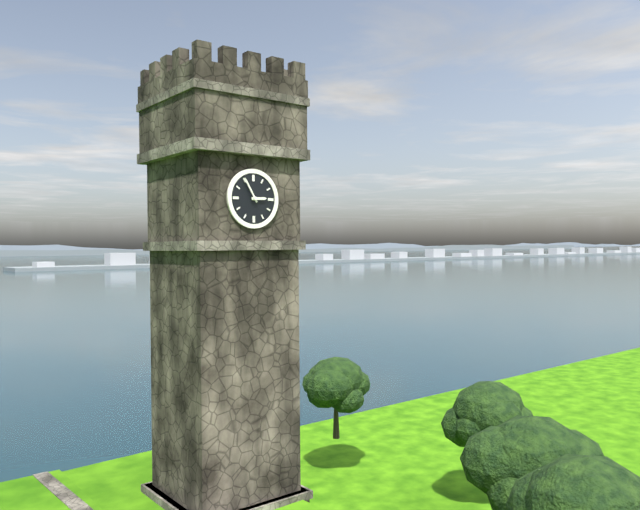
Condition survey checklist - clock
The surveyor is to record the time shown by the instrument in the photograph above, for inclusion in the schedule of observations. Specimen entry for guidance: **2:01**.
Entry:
**2:55**
